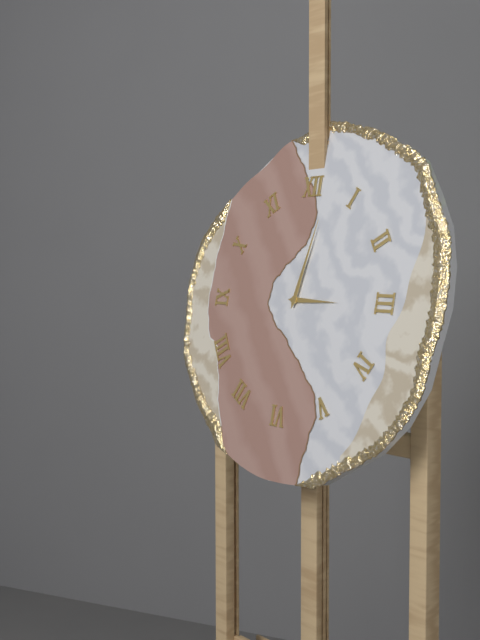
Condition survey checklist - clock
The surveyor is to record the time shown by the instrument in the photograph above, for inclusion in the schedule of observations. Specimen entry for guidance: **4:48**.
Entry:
**3:02**
